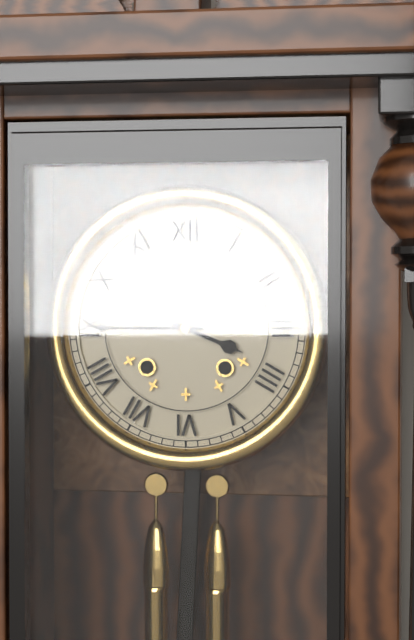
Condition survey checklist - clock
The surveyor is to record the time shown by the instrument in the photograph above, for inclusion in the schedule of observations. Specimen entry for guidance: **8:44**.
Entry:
**3:45**
